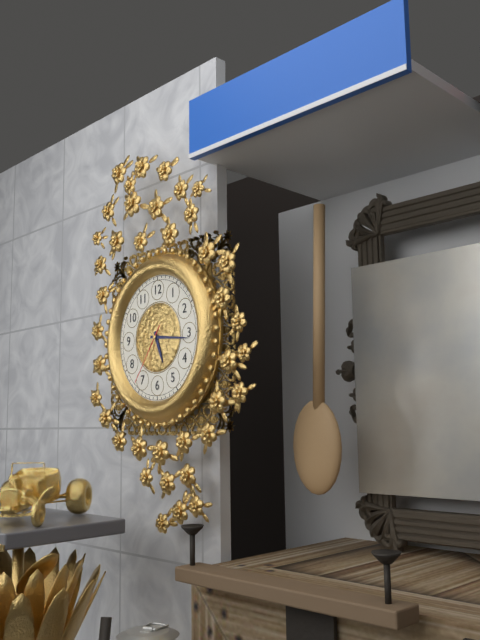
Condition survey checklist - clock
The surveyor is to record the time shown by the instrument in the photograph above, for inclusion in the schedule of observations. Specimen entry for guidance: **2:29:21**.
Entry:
**5:16:36**
